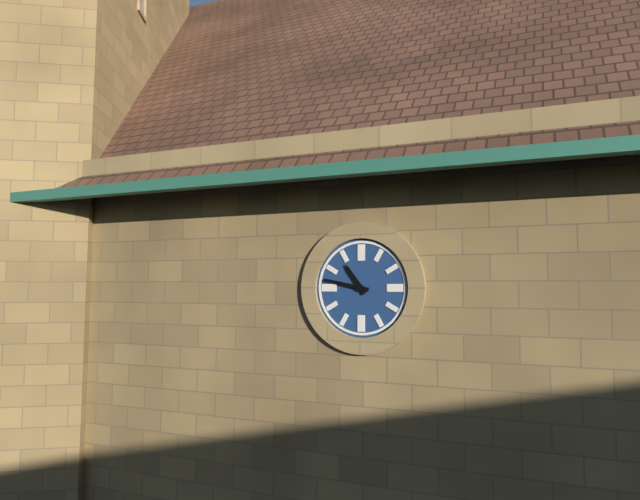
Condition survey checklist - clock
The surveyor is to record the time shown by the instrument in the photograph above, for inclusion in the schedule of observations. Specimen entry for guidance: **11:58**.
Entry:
**10:47**
